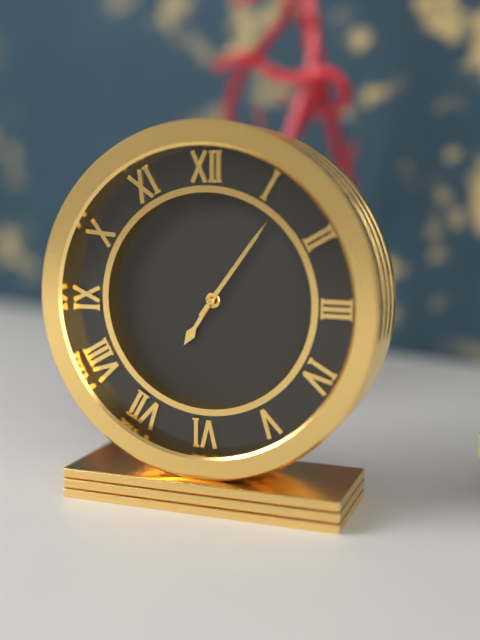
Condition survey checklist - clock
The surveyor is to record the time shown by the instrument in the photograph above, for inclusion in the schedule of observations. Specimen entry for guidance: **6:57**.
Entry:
**7:06**
